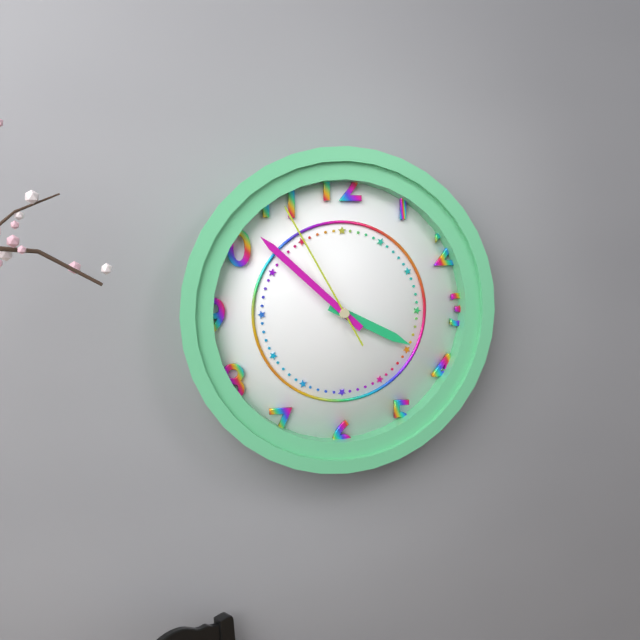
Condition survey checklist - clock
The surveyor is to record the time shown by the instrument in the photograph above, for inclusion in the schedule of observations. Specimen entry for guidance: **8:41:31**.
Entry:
**3:52:55**
